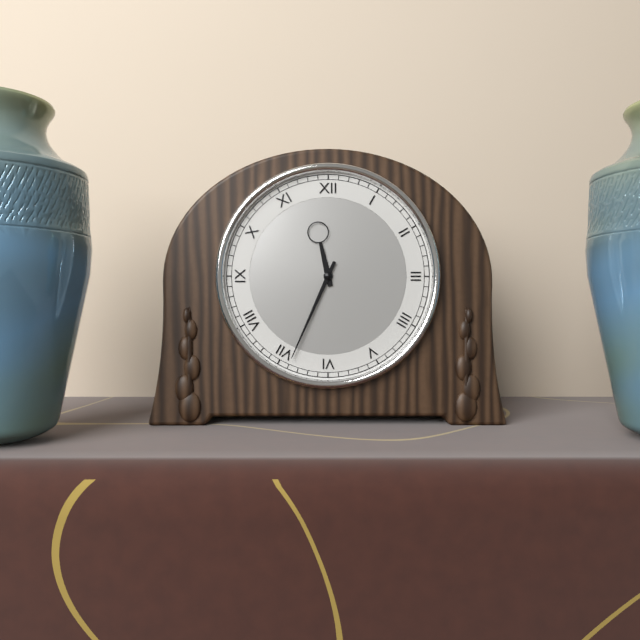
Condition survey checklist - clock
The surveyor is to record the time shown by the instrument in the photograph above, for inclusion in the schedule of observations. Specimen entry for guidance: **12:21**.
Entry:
**11:34**
